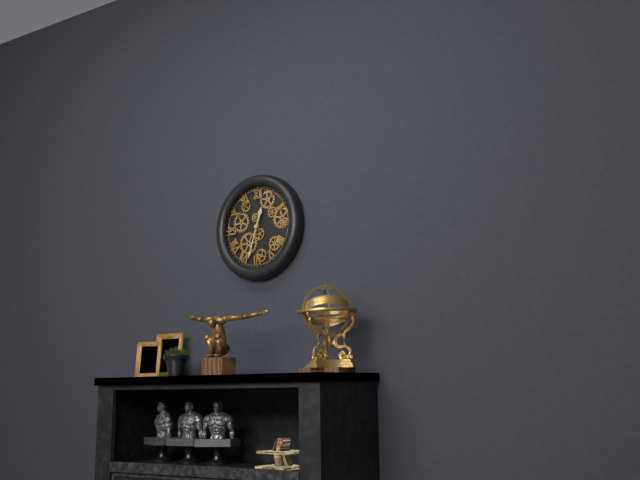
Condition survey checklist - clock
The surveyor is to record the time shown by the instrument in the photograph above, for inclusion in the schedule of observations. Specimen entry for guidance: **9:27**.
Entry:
**12:33**
